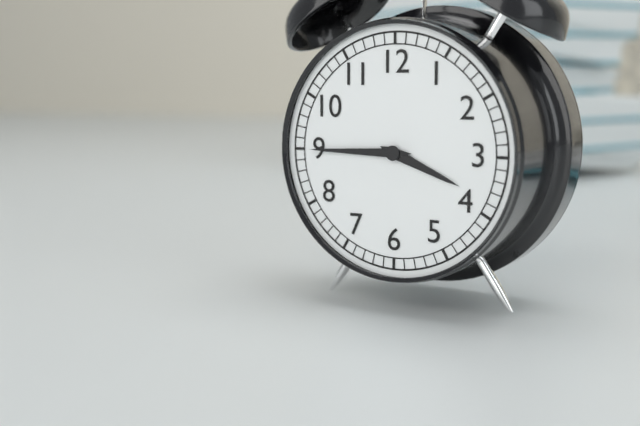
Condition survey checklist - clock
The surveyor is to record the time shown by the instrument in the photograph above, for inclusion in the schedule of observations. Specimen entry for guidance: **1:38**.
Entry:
**3:45**
